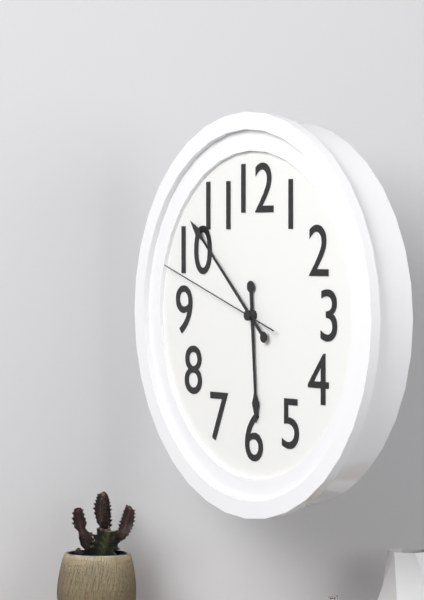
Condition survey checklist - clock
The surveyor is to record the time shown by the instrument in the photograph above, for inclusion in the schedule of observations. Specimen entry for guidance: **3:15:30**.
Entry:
**5:52:48**
